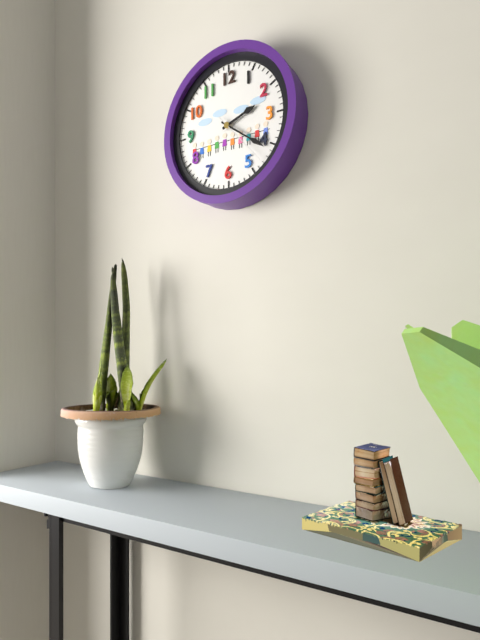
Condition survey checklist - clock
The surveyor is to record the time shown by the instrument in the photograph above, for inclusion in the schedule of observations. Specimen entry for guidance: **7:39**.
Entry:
**2:21**
